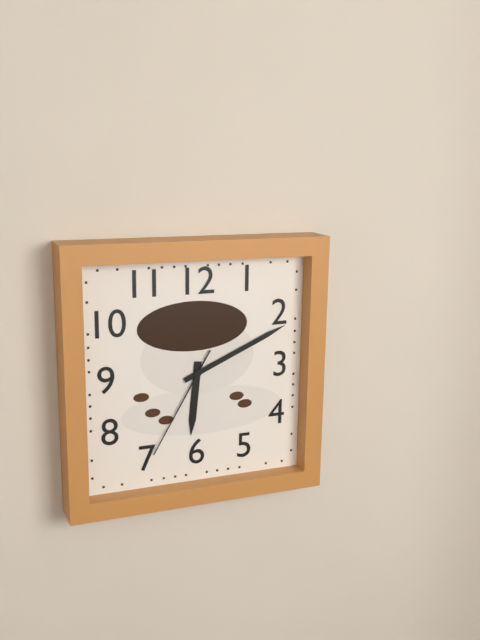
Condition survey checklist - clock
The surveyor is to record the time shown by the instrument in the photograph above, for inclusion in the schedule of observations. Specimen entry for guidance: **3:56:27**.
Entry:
**6:11:35**
